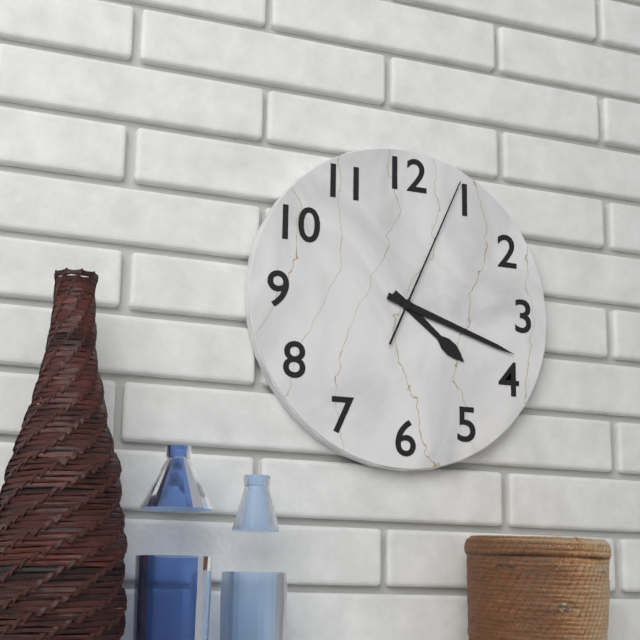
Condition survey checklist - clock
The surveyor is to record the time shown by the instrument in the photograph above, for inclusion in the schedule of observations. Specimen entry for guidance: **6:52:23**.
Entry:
**4:18:04**
